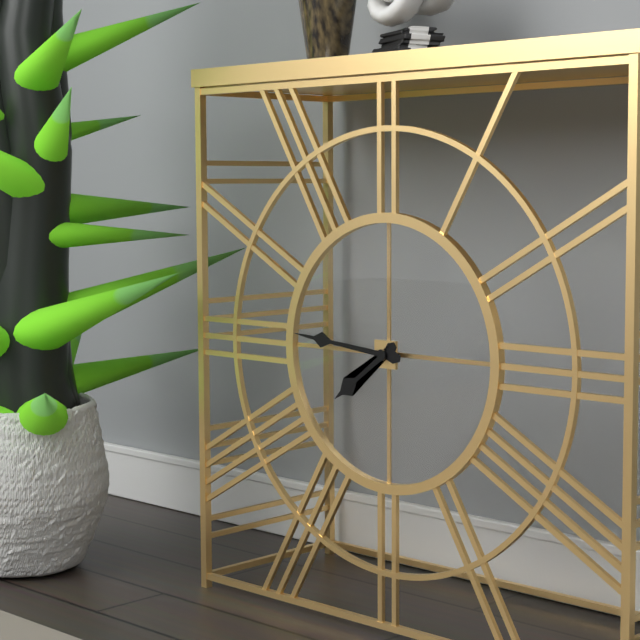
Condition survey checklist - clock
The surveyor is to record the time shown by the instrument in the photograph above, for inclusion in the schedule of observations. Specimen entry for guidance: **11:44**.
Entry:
**7:46**
